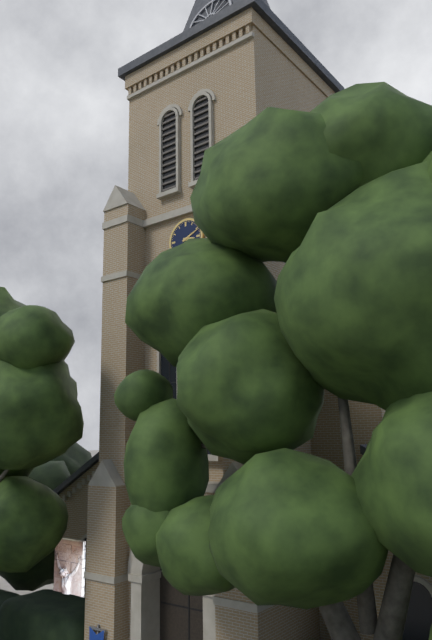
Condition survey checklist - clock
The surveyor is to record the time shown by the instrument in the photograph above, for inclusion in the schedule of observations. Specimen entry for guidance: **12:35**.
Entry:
**3:11**
